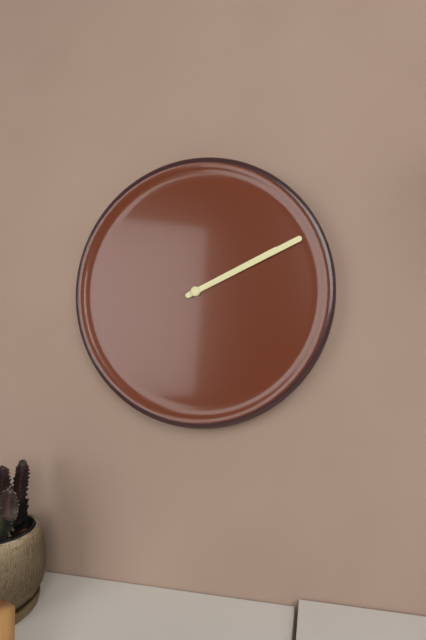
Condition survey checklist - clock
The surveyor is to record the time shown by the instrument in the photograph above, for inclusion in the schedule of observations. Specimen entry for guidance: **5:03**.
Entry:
**2:11**
